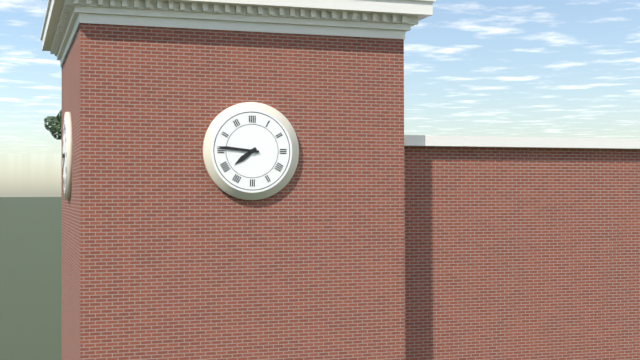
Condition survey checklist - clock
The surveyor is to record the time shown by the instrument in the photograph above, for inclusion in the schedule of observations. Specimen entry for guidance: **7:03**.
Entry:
**7:46**
